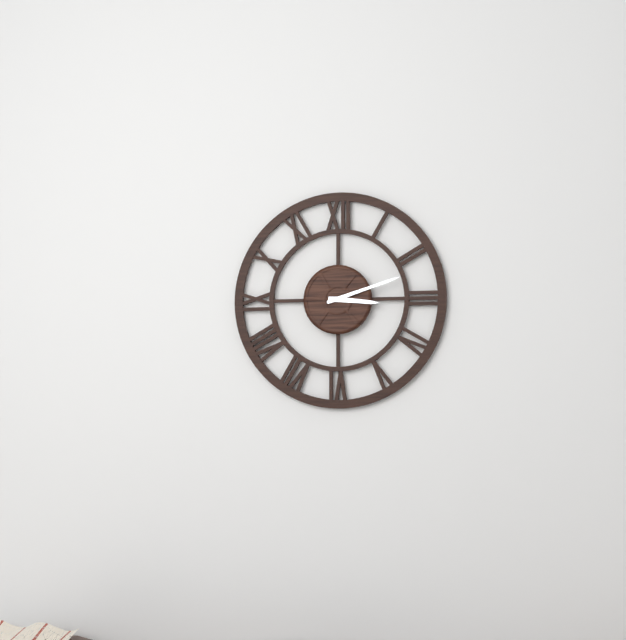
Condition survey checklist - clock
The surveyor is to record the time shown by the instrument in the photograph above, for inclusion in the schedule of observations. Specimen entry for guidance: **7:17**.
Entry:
**3:12**
